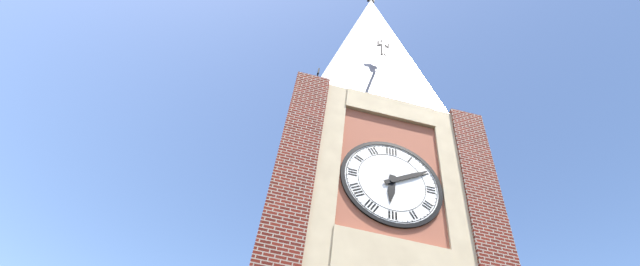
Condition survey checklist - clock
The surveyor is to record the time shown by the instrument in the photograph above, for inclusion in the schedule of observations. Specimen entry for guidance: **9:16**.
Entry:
**6:10**
